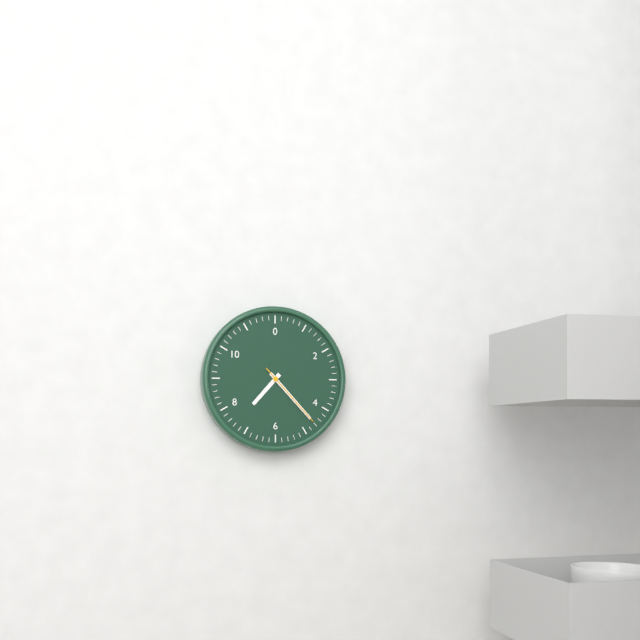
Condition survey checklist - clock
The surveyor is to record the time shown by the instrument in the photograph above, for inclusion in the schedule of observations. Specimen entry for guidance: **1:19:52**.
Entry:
**7:23:23**
